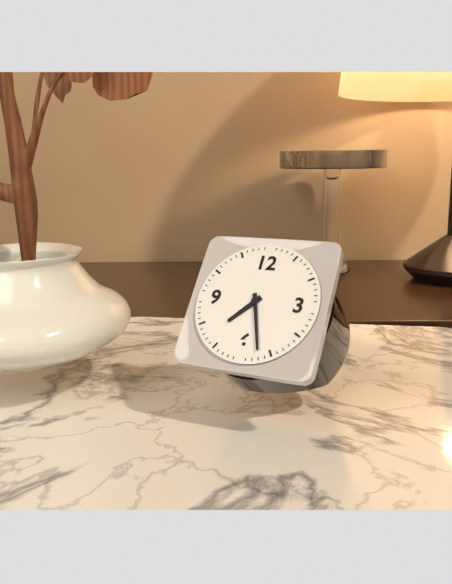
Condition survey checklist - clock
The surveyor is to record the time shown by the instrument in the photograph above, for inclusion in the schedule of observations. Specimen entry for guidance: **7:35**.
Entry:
**7:27**
